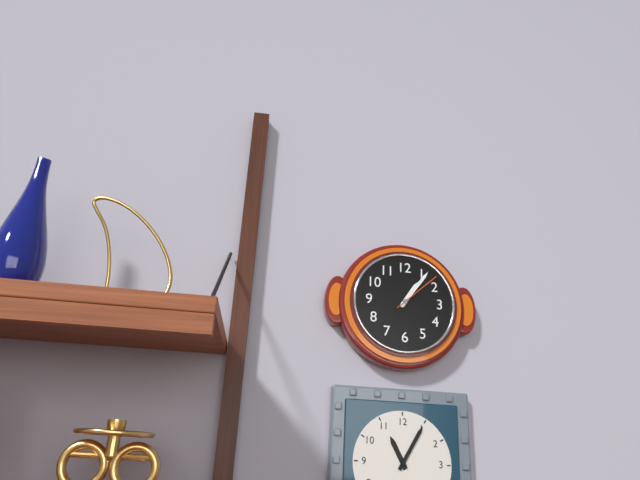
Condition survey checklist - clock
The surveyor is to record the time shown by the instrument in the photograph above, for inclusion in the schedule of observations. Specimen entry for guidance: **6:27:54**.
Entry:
**1:06:08**
